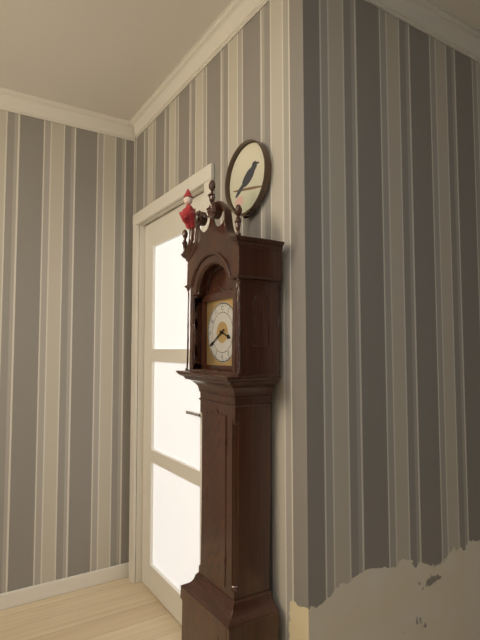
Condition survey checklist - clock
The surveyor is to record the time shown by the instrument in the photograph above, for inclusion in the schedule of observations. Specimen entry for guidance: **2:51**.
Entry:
**3:40**
